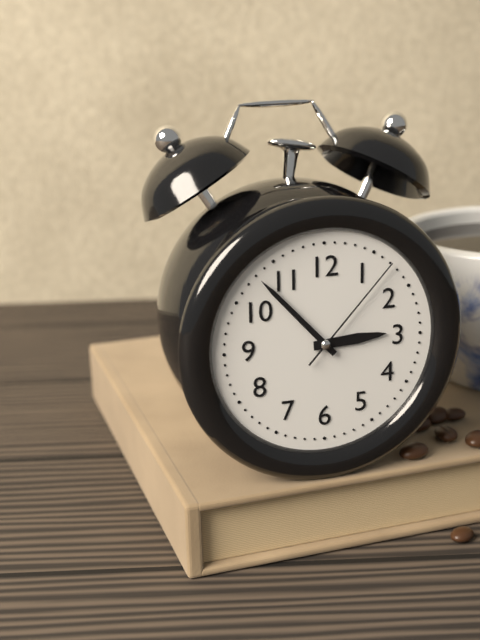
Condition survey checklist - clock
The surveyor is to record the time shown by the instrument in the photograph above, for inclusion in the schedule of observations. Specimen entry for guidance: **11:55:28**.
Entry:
**2:53:07**
